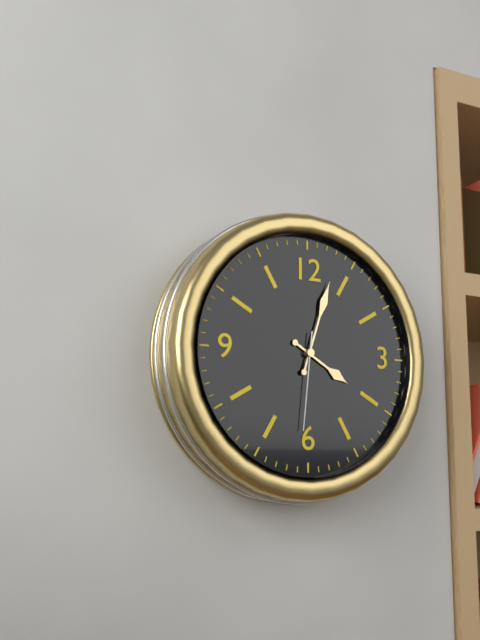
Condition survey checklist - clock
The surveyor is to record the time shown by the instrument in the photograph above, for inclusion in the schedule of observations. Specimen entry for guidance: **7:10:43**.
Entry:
**4:03:31**
